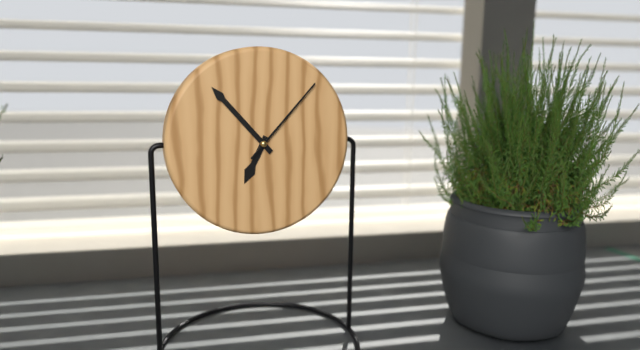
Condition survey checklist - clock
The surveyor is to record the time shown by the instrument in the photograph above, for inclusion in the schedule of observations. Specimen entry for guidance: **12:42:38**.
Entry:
**6:53:07**
